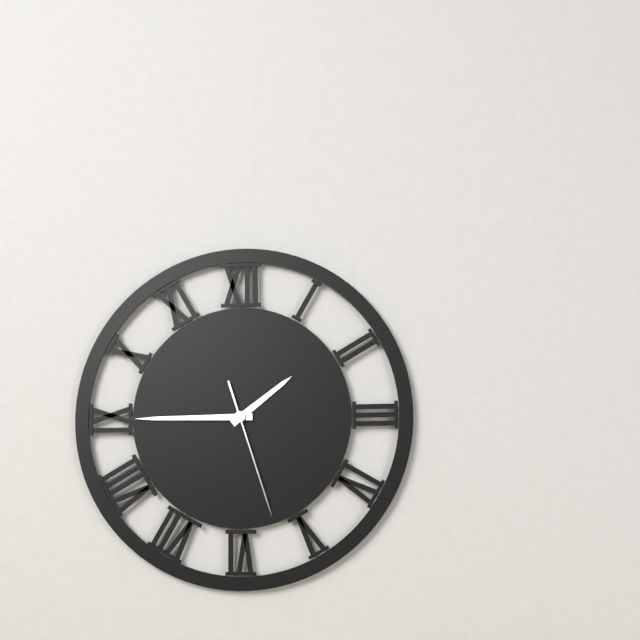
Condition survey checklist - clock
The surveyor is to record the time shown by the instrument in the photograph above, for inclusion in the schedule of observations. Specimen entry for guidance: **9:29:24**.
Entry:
**1:45:27**
